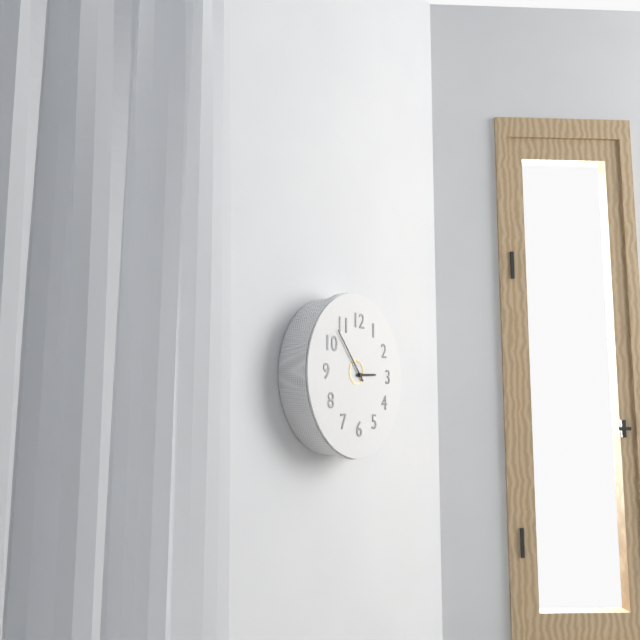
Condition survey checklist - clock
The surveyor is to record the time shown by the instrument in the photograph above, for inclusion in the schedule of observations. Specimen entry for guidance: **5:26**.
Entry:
**2:53**
